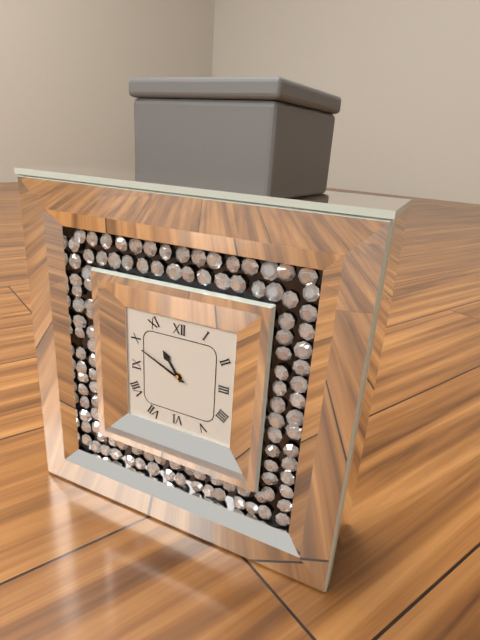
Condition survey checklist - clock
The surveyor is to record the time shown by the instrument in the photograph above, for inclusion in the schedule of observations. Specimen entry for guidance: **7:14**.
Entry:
**10:49**
